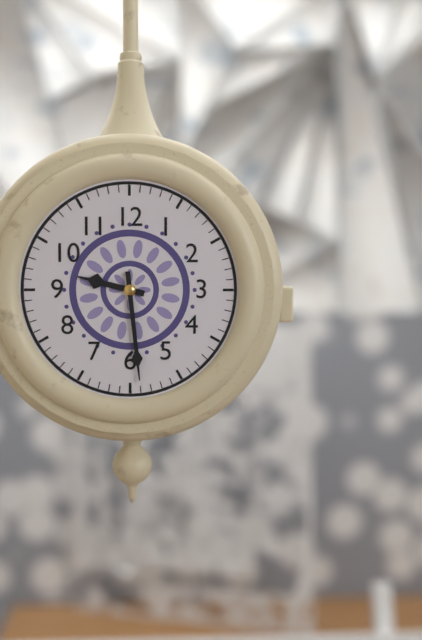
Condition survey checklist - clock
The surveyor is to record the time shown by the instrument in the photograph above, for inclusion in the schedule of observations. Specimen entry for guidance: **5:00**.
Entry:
**9:29**
